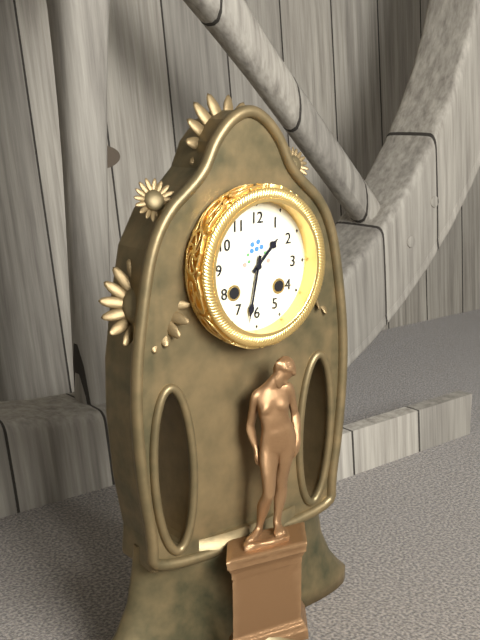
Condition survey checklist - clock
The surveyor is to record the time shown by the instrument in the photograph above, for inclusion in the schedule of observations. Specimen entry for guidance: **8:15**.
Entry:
**1:32**
